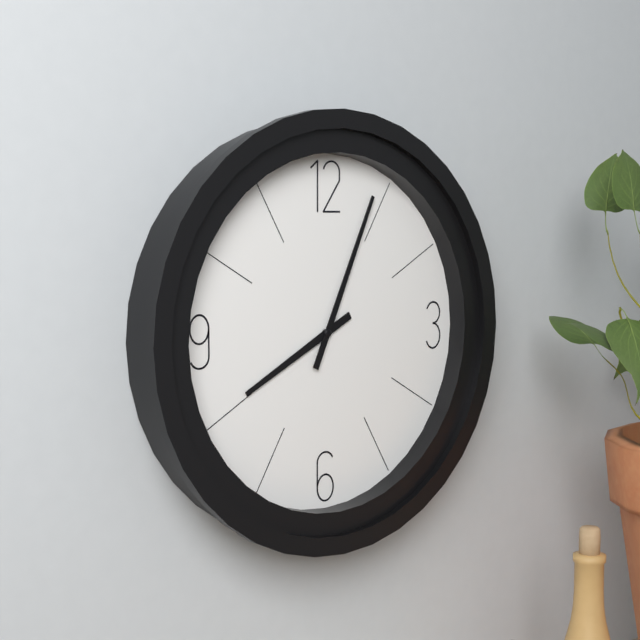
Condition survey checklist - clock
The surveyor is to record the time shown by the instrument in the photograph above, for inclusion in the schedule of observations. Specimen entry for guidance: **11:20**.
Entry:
**8:04**
